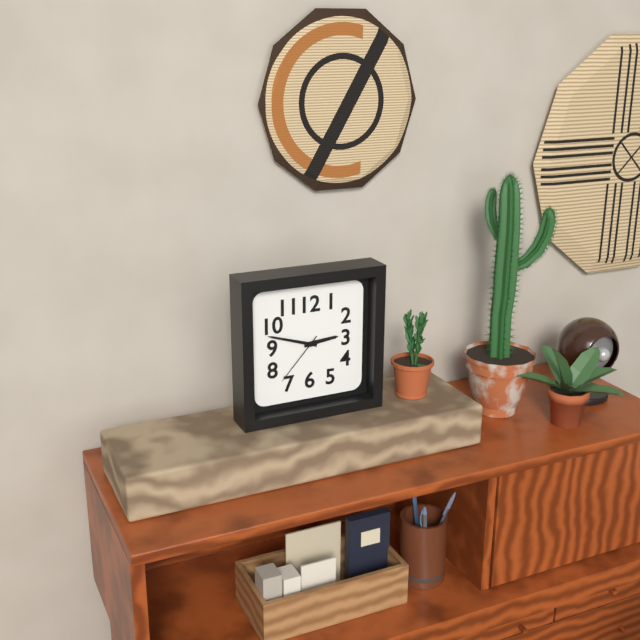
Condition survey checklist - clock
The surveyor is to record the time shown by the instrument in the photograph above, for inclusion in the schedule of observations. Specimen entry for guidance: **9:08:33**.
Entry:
**2:48:37**
